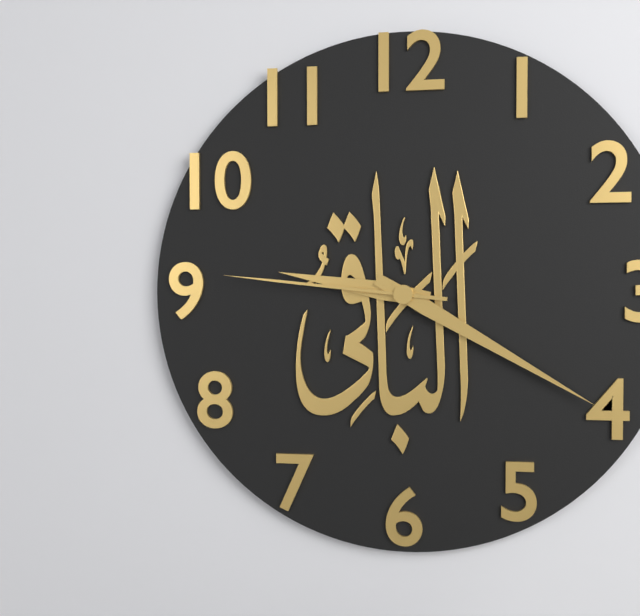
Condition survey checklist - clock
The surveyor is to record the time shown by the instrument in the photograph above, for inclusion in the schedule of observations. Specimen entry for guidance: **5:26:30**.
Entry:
**9:20:46**
